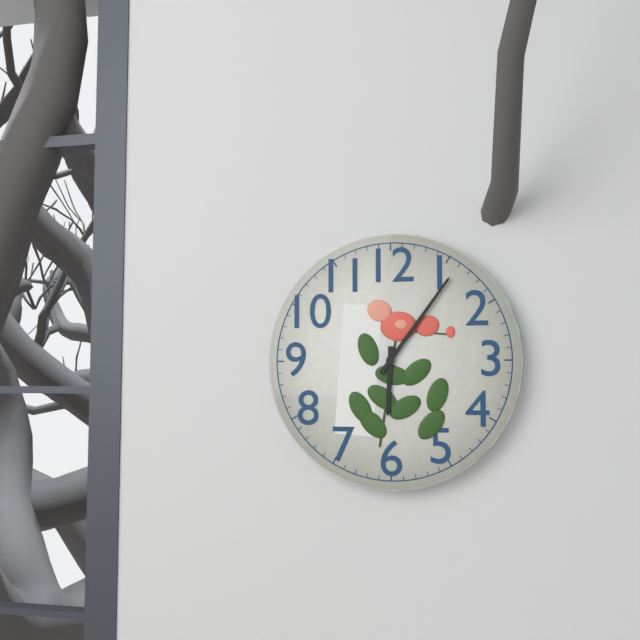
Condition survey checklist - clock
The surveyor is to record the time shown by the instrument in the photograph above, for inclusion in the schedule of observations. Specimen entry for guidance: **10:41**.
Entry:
**6:06**
